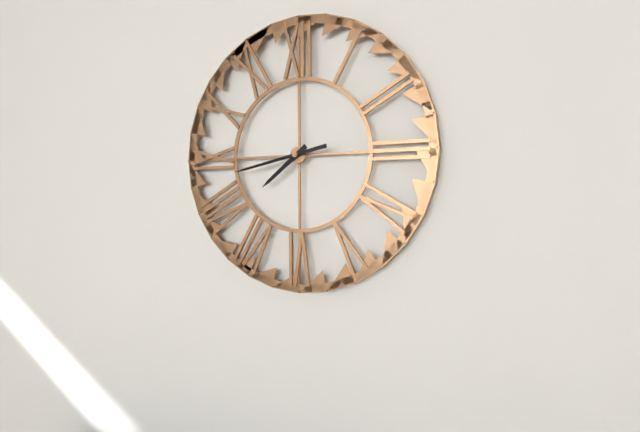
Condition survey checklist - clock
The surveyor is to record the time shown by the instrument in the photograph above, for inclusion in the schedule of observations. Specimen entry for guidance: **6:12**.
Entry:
**7:43**
